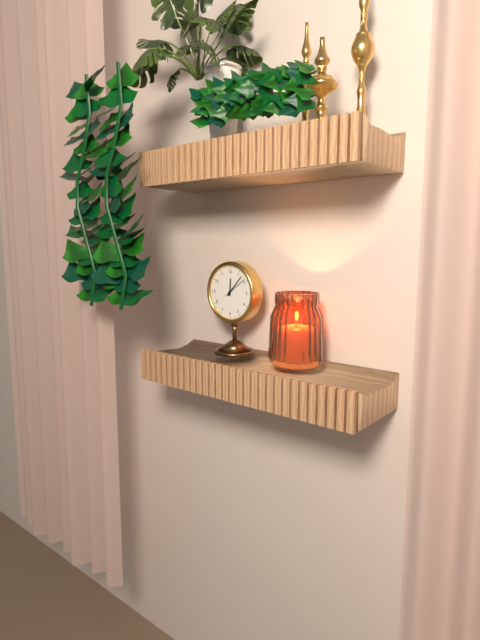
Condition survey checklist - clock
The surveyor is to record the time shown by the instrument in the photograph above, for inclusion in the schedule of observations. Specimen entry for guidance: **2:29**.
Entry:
**12:07**
